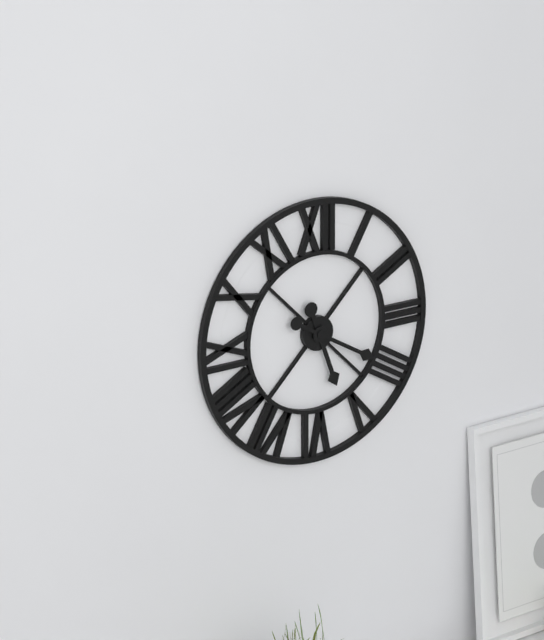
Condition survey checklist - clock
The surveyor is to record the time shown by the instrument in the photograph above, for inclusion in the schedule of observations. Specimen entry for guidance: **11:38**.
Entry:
**5:20**
